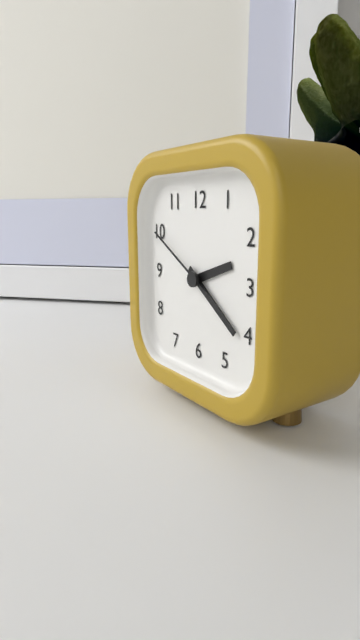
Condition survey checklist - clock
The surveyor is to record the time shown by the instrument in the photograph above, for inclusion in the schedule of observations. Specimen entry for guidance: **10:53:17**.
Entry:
**2:21:50**
